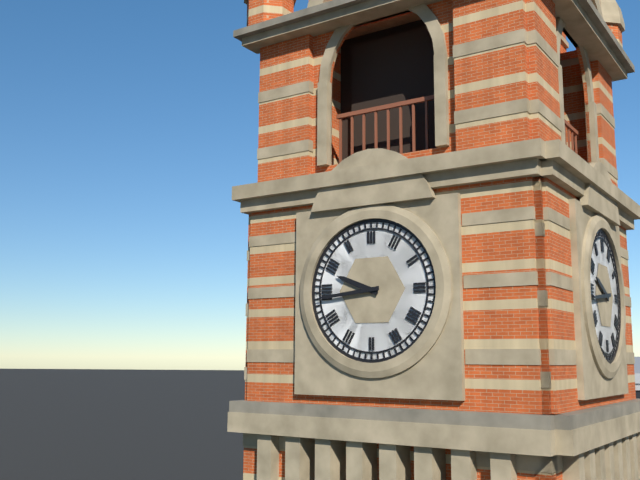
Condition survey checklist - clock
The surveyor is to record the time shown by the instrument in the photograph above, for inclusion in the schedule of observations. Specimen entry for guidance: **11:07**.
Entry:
**9:44**
